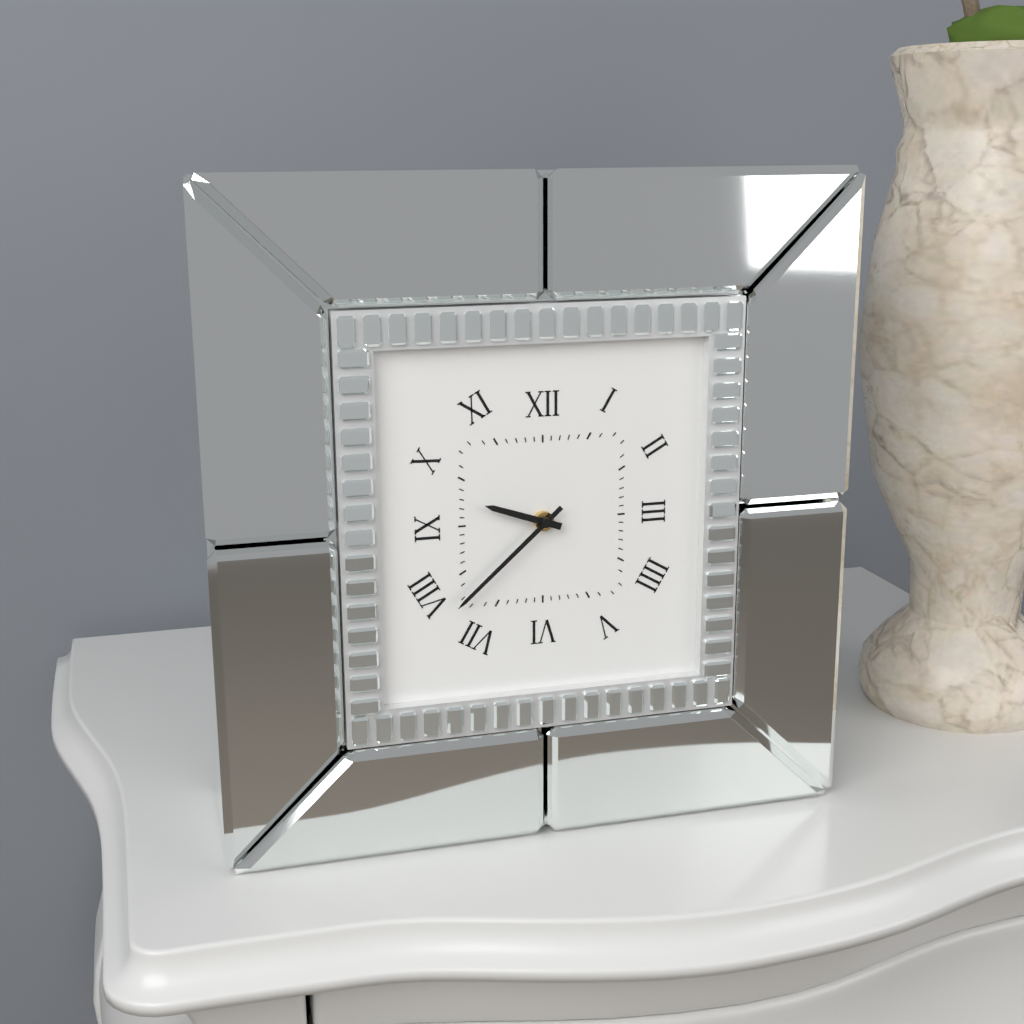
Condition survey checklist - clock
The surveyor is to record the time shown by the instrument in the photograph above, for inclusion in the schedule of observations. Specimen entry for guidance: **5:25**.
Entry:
**9:38**
